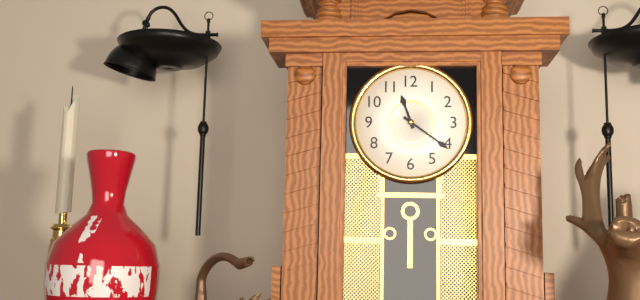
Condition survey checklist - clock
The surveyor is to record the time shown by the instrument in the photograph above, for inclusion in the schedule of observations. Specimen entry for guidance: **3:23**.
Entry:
**11:21**
